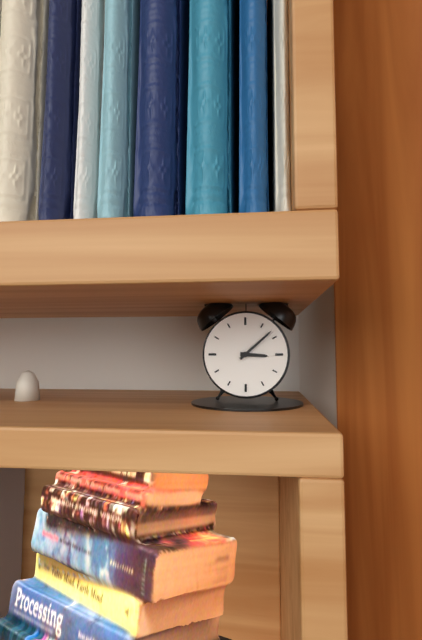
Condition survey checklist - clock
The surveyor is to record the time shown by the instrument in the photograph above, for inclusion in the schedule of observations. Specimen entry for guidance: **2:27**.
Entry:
**3:08**
